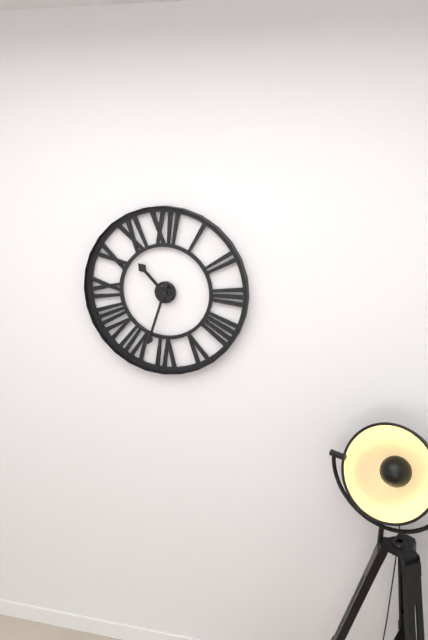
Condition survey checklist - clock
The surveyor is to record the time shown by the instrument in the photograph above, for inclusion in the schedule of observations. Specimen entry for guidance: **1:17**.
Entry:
**10:33**
